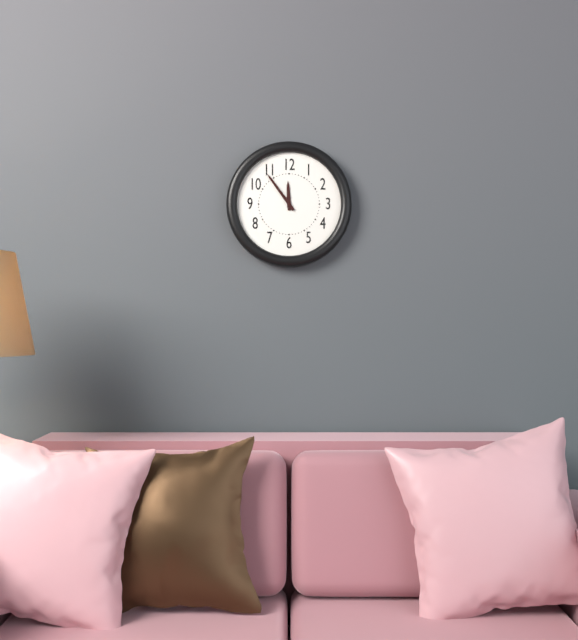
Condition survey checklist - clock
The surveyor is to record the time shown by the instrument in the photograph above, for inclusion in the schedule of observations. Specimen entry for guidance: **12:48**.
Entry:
**11:54**
